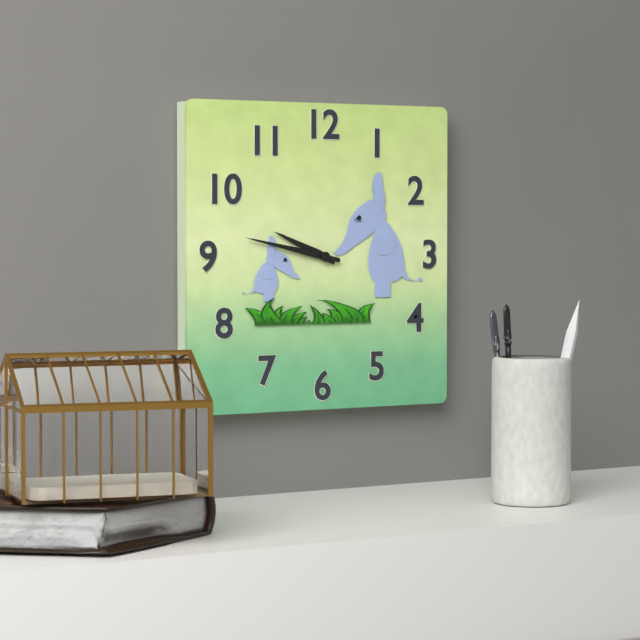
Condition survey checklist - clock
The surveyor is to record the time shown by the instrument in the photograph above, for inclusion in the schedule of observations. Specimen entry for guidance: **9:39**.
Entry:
**9:47**
